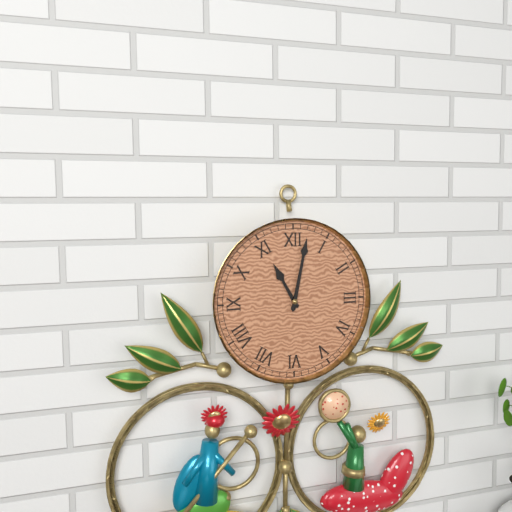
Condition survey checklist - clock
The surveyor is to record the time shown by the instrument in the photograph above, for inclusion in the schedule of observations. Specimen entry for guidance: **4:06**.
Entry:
**11:02**
